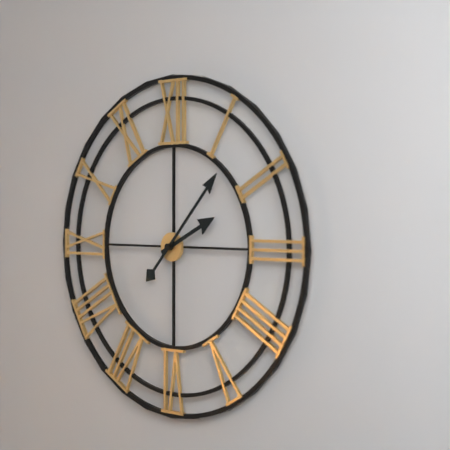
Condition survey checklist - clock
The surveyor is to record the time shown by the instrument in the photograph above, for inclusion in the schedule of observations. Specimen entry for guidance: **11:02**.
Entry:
**2:07**
